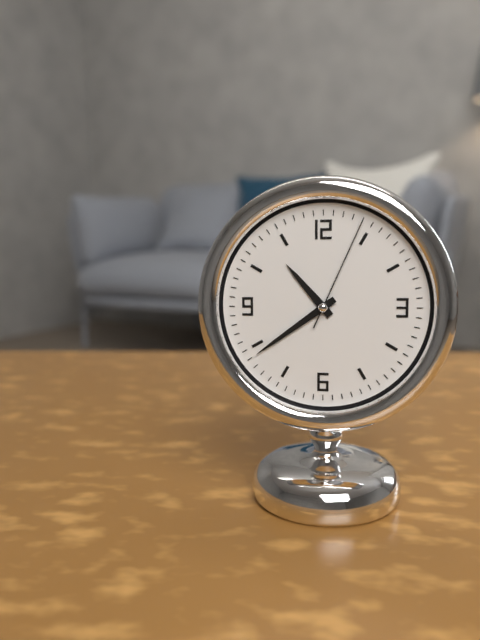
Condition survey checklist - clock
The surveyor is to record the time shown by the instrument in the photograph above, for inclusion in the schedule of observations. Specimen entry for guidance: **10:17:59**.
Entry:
**10:39:04**
